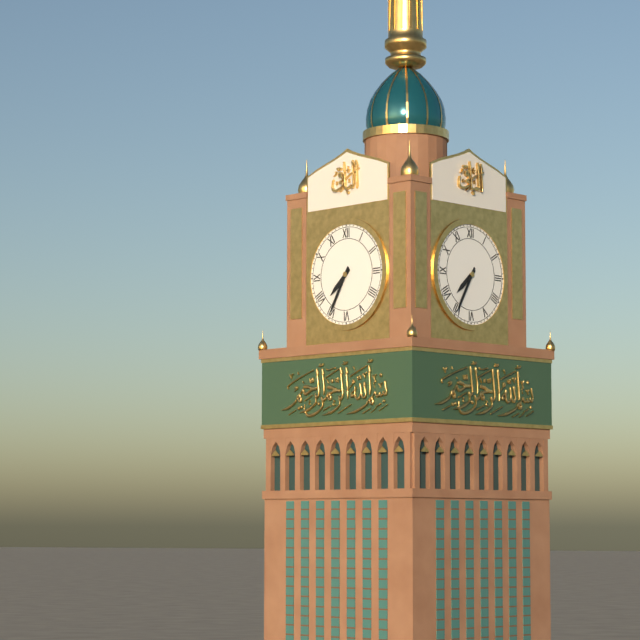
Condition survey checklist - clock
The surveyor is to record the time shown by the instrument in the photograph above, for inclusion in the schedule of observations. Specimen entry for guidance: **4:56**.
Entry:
**7:35**
